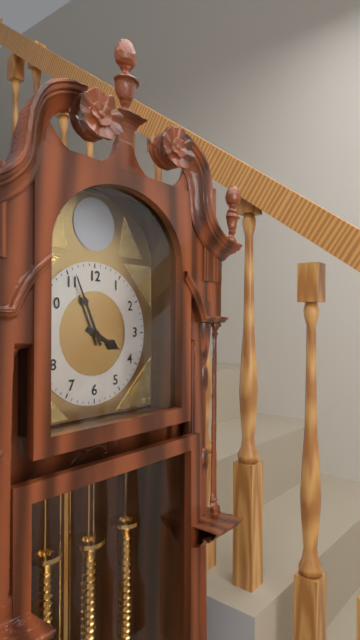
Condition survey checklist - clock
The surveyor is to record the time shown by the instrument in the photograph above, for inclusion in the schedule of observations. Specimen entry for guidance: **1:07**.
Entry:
**3:56**
